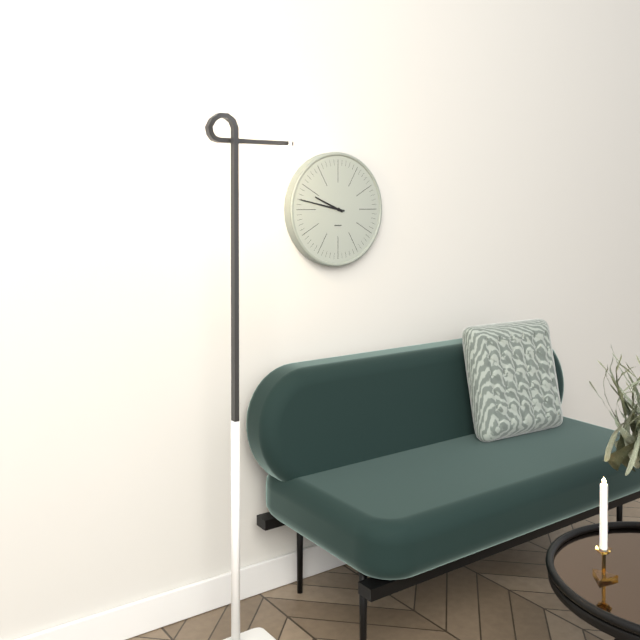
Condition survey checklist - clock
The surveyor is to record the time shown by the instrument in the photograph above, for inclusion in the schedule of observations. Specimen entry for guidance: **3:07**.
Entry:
**9:47**
